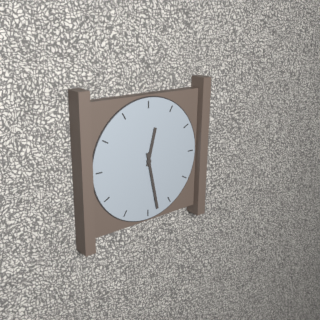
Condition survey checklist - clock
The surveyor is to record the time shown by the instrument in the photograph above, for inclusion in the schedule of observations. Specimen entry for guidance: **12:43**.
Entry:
**12:28**
